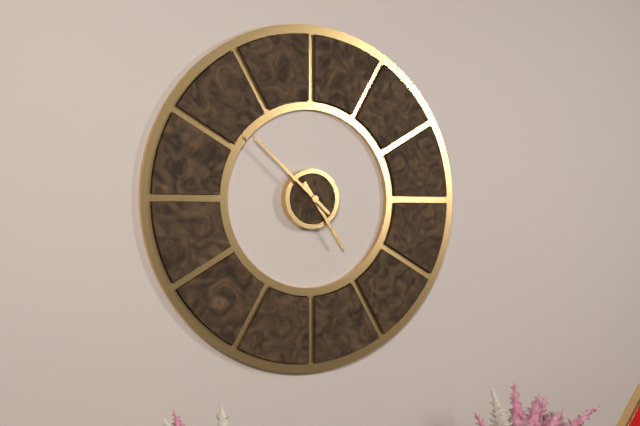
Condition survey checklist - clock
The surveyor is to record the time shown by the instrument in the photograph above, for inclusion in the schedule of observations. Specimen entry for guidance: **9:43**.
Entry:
**4:52**
